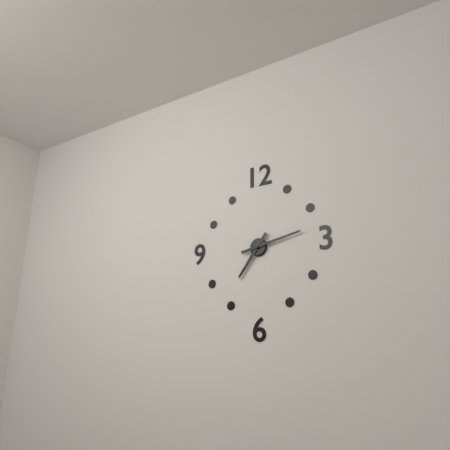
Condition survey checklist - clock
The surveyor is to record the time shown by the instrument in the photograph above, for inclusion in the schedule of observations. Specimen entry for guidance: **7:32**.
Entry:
**7:13**
